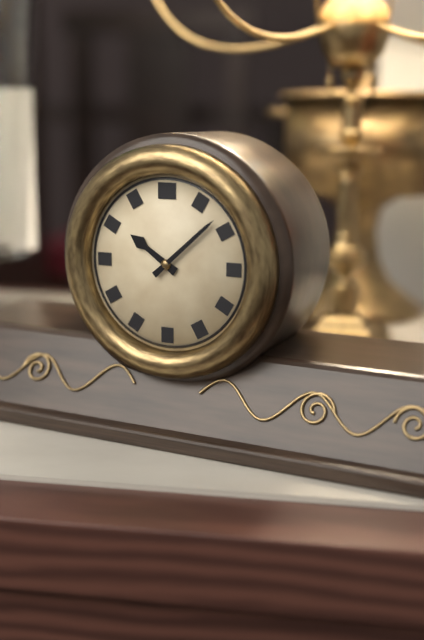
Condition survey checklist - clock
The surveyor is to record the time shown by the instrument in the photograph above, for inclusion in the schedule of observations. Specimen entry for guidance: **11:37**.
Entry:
**10:08**
